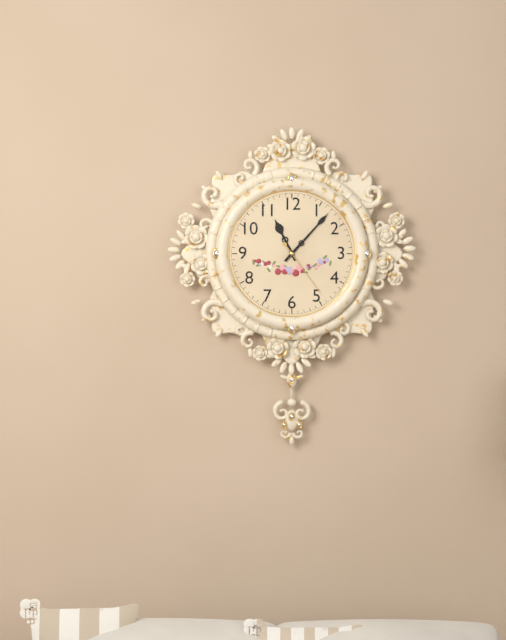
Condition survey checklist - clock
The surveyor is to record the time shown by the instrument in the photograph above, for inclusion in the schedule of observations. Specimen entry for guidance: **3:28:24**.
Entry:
**11:07:24**
